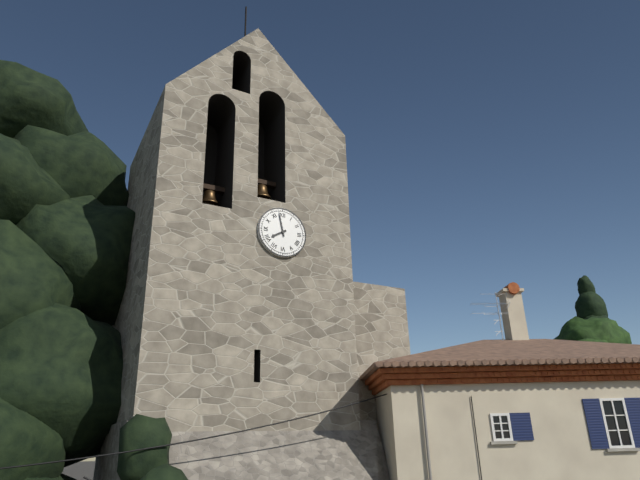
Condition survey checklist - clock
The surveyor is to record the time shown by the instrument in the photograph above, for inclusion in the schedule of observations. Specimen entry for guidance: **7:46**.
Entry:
**7:58**
